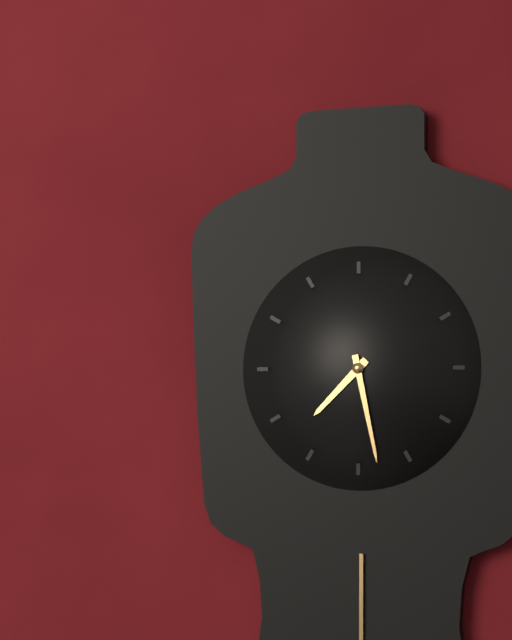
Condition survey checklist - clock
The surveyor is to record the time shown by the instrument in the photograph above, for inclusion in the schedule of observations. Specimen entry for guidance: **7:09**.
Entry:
**7:28**
